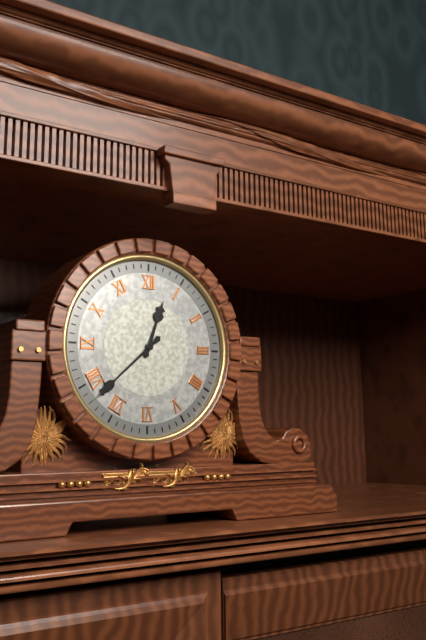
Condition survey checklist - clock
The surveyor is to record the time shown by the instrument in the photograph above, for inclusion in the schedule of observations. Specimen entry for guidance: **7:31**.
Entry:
**12:38**
